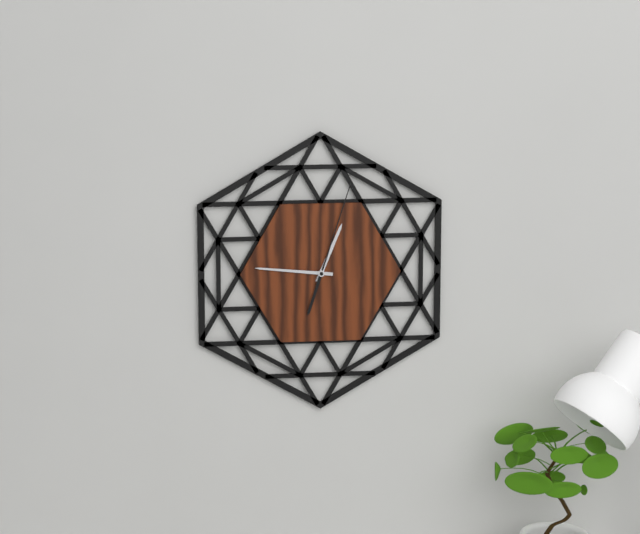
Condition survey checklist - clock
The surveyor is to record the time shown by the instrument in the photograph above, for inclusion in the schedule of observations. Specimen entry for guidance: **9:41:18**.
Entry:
**12:46:03**
